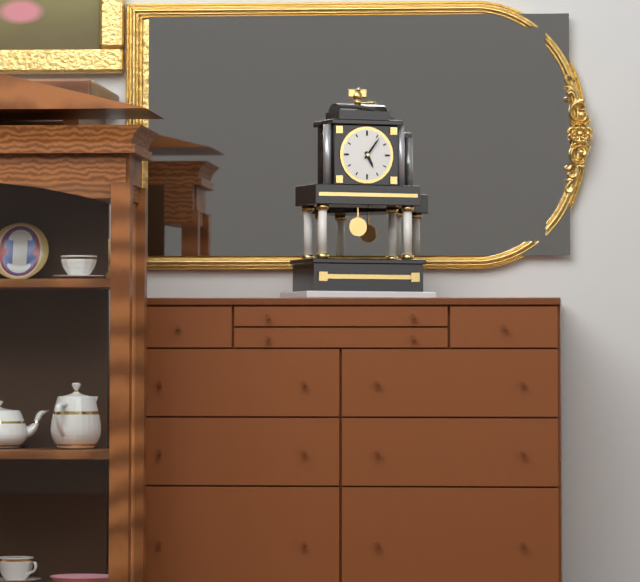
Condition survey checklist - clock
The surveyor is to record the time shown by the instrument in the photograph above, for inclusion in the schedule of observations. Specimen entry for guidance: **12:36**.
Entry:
**5:06**
